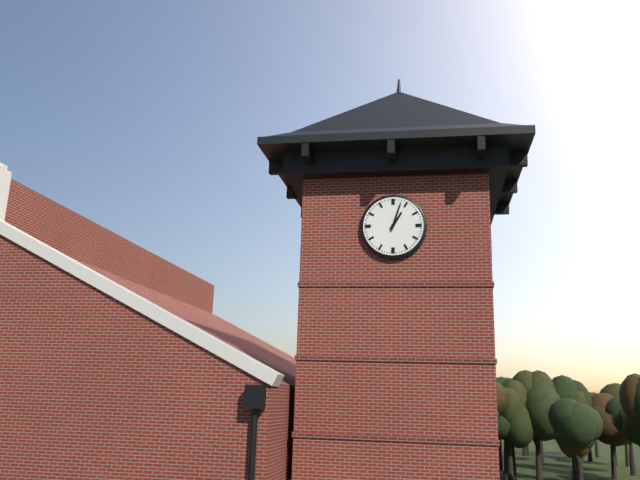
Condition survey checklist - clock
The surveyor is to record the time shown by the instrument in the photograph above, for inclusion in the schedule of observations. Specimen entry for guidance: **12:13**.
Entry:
**1:03**
